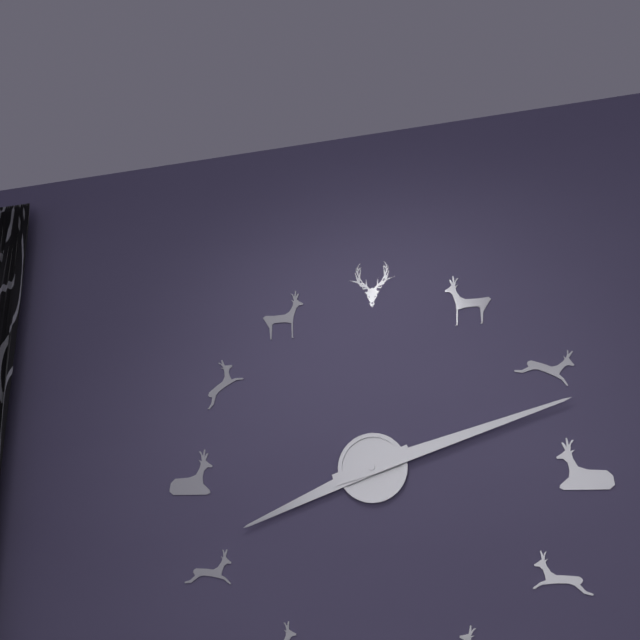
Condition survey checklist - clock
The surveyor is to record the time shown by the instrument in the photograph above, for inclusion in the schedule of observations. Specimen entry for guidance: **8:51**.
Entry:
**8:12**
